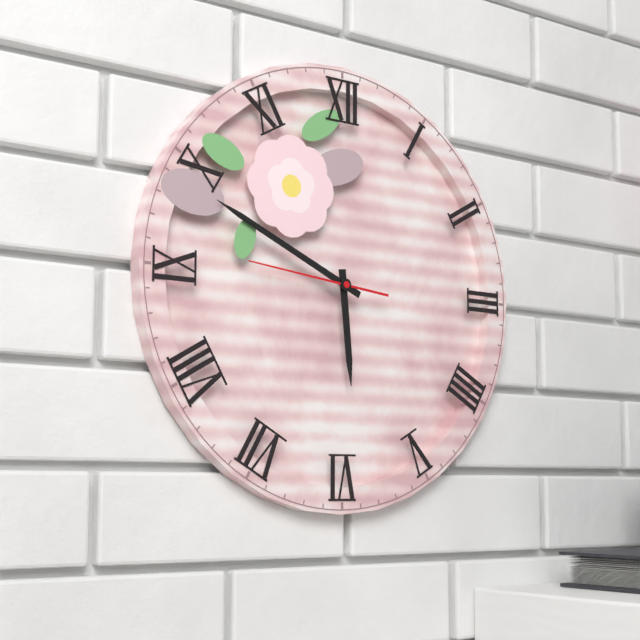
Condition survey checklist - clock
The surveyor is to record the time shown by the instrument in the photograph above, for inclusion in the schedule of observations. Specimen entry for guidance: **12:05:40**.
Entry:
**5:49:46**
